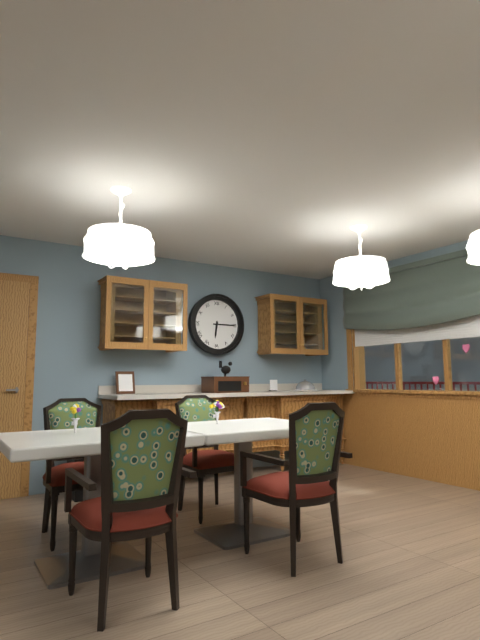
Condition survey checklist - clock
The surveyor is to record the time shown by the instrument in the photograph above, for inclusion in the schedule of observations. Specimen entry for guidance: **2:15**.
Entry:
**6:15**
